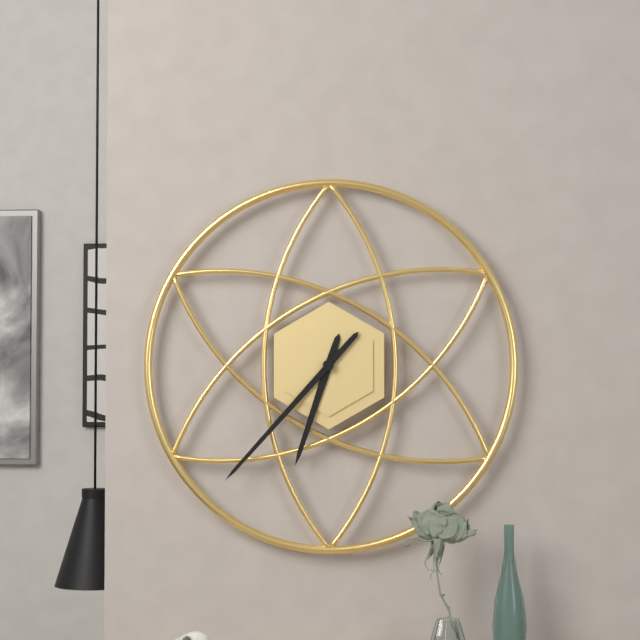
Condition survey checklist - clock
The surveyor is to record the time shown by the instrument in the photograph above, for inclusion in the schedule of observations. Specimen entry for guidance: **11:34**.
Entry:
**6:37**
